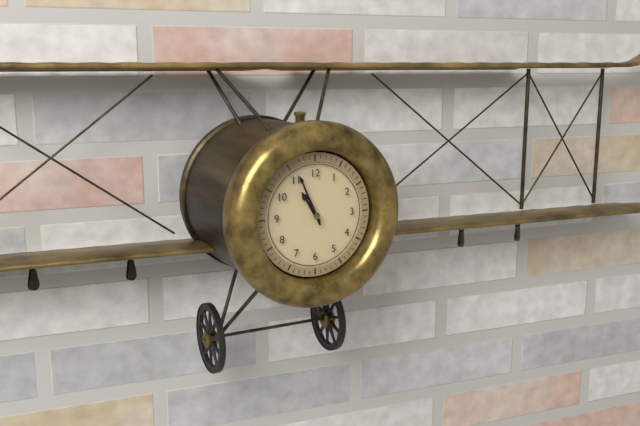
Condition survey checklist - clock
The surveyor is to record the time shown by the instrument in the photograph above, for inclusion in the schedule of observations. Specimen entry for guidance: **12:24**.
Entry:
**10:56**
